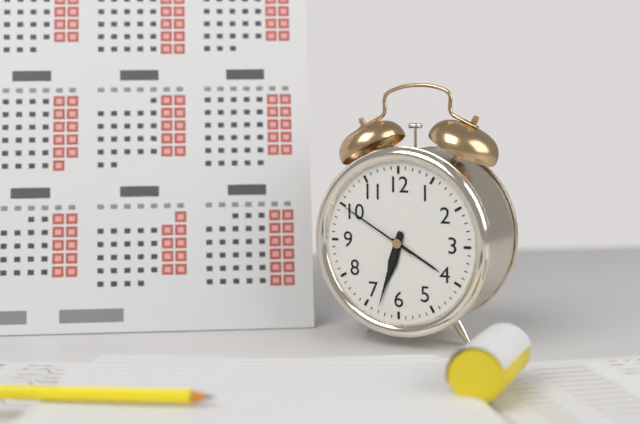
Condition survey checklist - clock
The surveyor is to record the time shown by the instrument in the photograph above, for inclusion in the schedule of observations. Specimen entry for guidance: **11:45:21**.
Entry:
**6:33:50**
